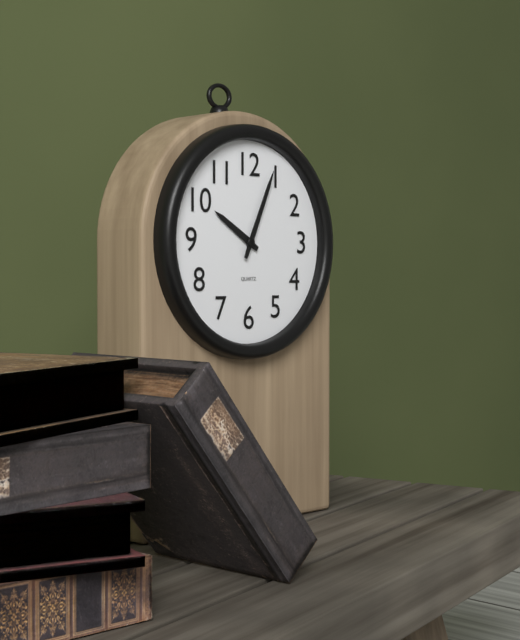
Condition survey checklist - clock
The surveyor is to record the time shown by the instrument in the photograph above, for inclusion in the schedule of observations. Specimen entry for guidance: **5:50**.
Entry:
**10:04**
